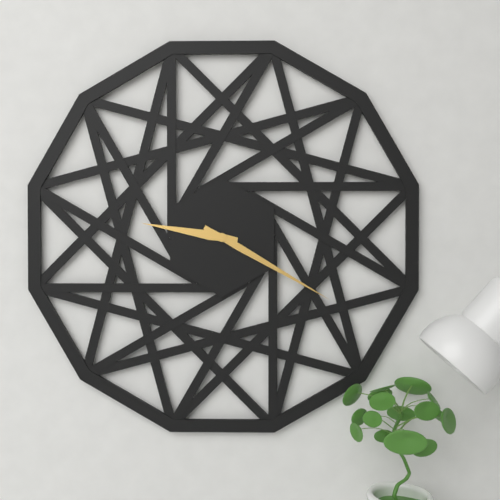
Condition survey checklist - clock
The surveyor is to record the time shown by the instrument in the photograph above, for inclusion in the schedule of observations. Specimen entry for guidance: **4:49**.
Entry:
**9:20**
